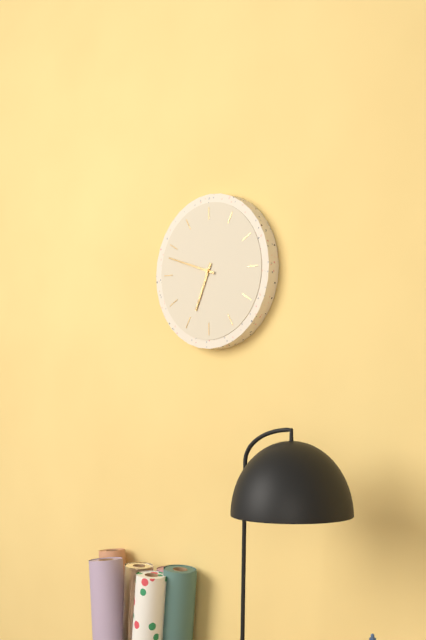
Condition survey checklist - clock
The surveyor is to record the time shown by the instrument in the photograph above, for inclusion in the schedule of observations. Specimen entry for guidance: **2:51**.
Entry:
**6:48**
